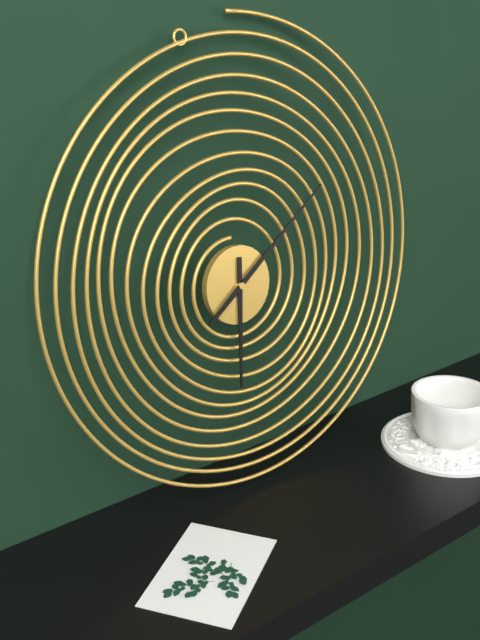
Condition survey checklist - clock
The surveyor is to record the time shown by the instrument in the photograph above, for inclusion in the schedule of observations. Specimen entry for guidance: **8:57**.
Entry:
**6:09**
